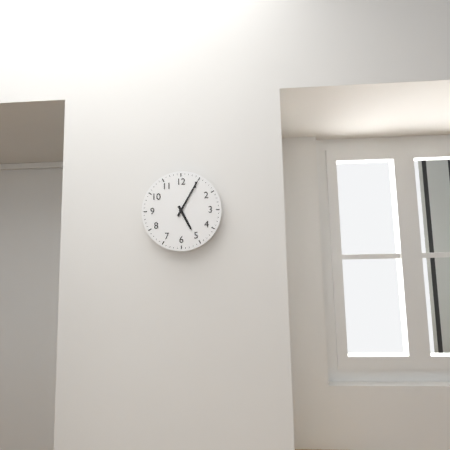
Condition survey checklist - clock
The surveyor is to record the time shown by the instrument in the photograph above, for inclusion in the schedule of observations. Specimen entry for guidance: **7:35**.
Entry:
**5:05**
